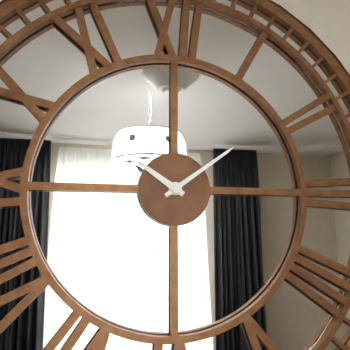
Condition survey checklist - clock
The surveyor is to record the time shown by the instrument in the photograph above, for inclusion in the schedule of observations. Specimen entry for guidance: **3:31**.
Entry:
**10:09**
